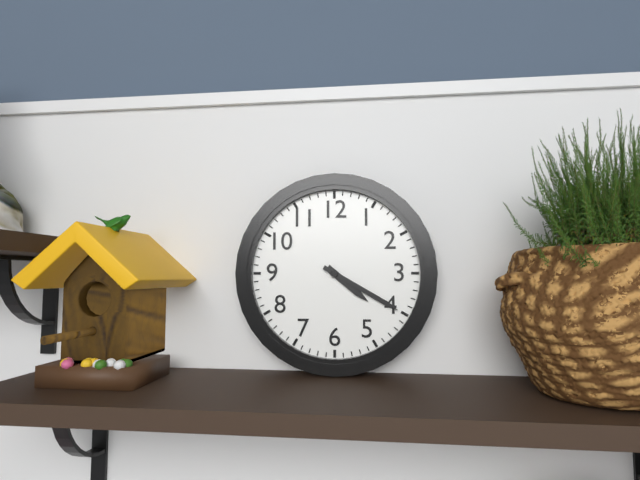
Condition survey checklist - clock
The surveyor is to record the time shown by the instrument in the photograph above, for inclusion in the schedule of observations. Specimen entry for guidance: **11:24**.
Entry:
**4:20**
